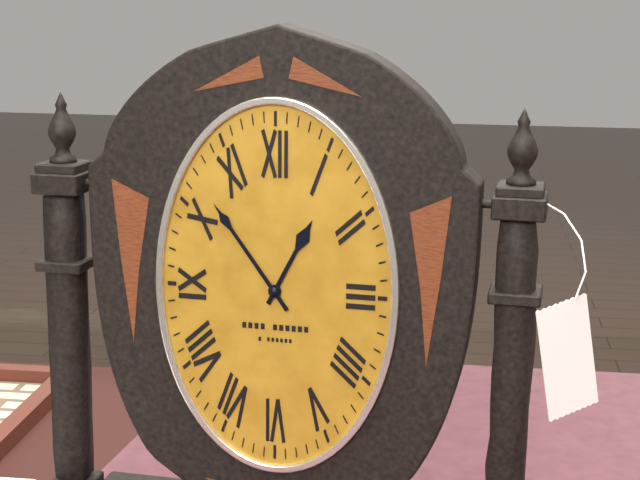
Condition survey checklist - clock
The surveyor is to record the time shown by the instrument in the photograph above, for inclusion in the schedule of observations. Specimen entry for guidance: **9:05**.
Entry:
**12:54**
